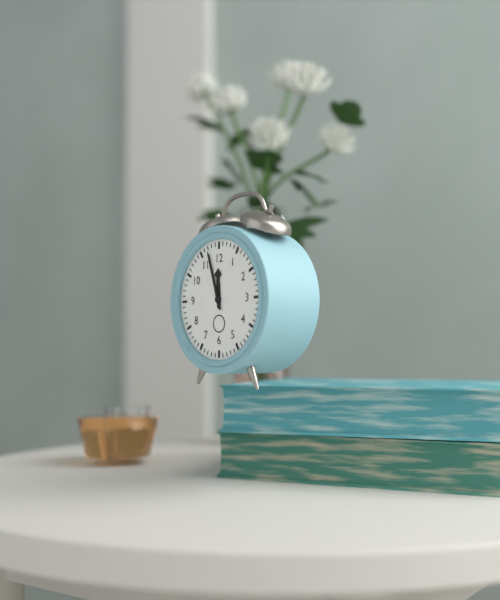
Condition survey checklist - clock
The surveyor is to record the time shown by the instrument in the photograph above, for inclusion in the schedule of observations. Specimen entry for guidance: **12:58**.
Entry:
**11:57**
